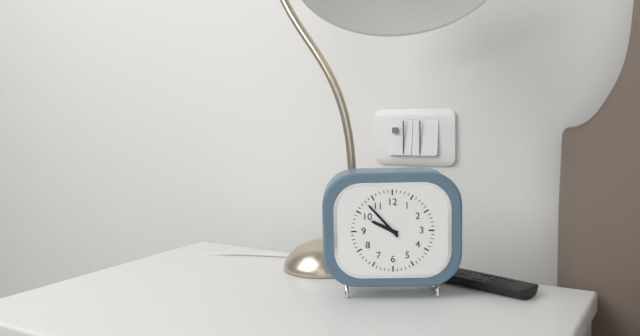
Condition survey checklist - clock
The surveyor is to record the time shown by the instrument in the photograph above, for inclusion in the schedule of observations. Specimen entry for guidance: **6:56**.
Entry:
**9:53**
